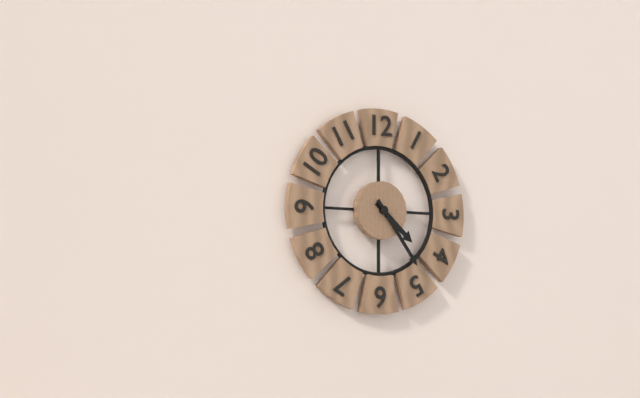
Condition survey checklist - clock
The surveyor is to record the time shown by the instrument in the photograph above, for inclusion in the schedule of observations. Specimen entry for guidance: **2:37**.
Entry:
**4:24**
